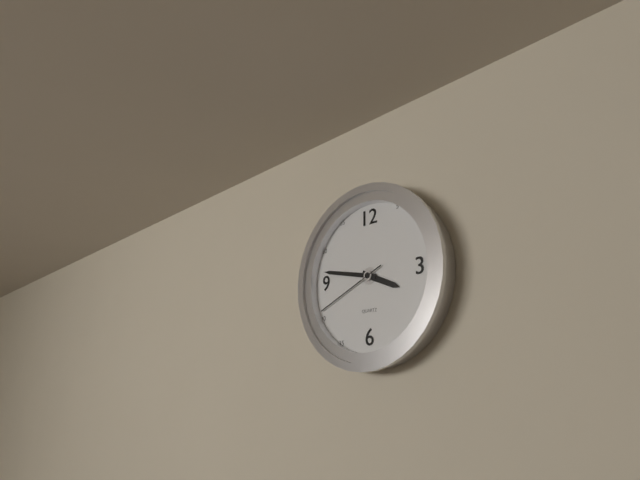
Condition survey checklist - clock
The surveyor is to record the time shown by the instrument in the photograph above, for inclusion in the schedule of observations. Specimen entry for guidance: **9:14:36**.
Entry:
**3:47:41**
